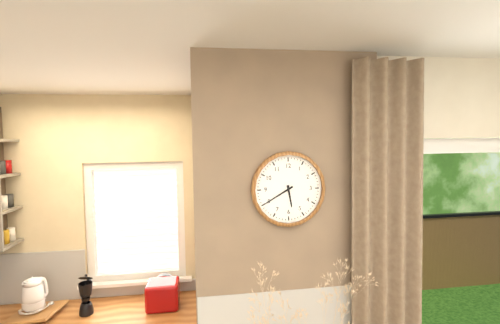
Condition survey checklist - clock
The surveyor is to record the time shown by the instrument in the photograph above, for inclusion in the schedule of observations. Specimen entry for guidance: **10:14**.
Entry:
**5:40**
